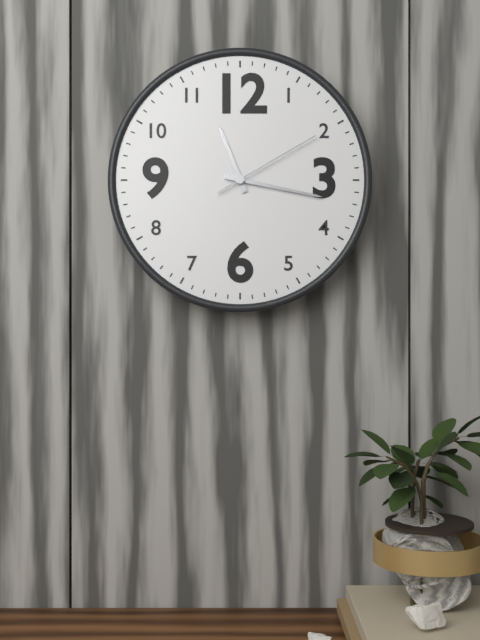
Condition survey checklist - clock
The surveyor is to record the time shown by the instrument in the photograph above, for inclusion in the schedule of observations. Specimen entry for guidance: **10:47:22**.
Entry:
**11:17:10**
